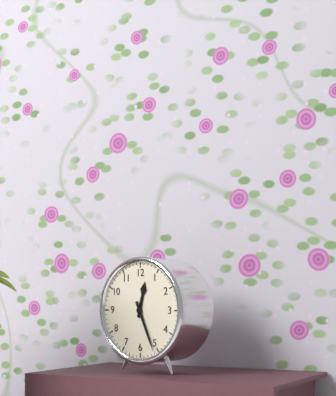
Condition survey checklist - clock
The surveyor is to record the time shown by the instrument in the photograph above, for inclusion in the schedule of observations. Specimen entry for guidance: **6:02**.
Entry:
**12:26**
